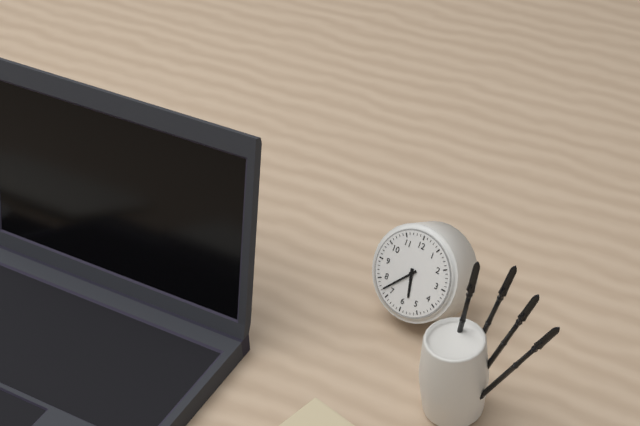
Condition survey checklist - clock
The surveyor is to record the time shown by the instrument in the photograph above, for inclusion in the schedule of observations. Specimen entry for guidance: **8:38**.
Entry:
**5:37**
